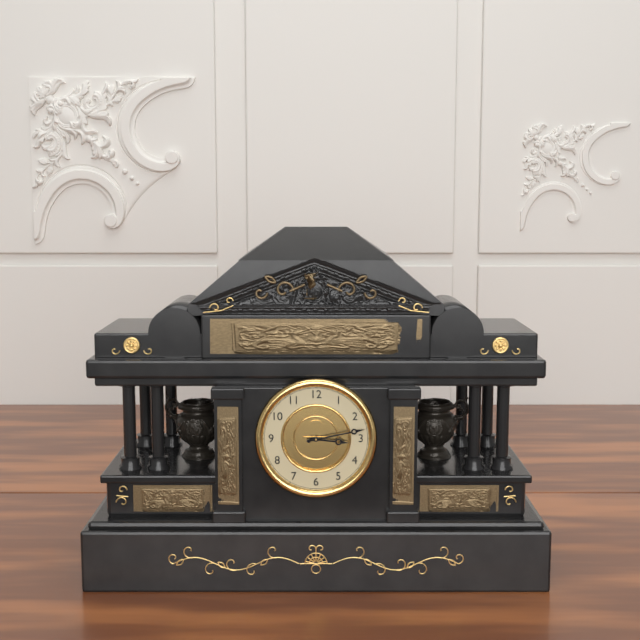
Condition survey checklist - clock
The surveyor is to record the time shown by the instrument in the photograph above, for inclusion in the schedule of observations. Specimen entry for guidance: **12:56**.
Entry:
**3:13**
